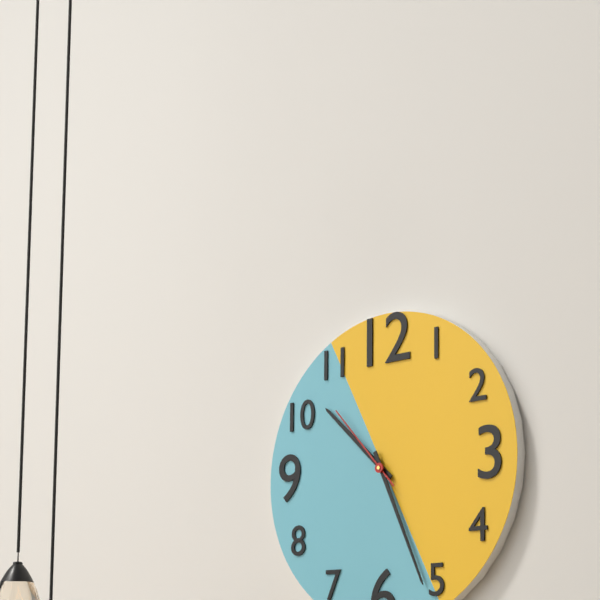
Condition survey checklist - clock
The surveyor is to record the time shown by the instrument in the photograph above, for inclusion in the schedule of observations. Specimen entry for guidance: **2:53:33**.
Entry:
**10:26:53**
